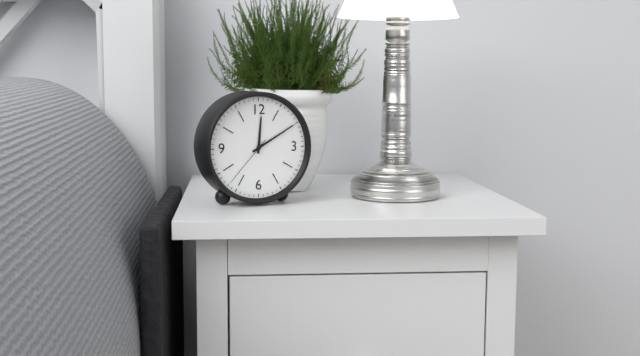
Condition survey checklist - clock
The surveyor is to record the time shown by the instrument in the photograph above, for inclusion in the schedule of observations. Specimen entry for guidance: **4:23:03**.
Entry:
**12:10:37**
